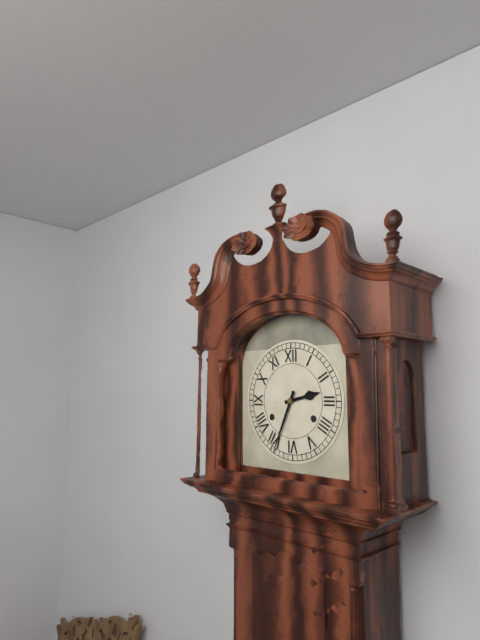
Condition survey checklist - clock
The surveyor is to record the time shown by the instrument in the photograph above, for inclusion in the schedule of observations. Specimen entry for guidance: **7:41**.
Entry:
**2:34**
